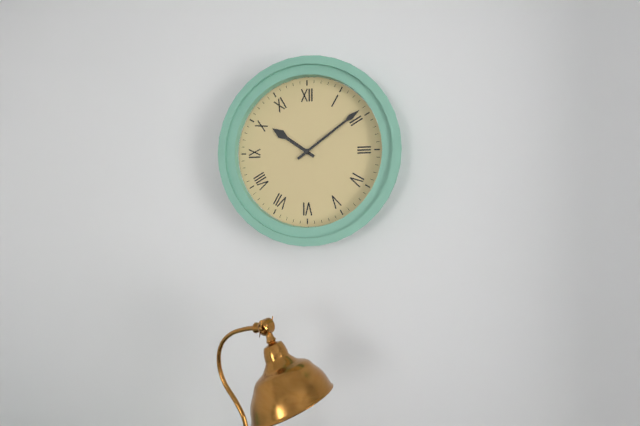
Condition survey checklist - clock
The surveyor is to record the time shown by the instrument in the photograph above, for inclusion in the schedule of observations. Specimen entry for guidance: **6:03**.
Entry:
**10:09**
